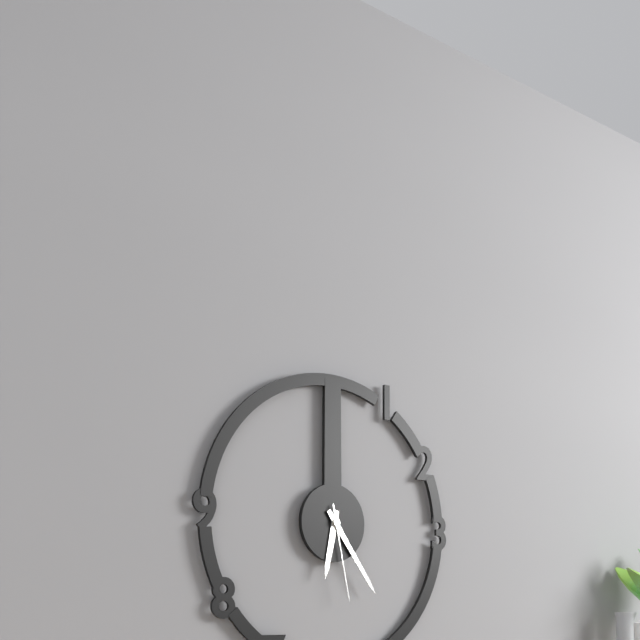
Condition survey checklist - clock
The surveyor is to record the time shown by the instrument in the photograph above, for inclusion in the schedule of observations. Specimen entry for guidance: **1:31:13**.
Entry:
**6:24:28**
